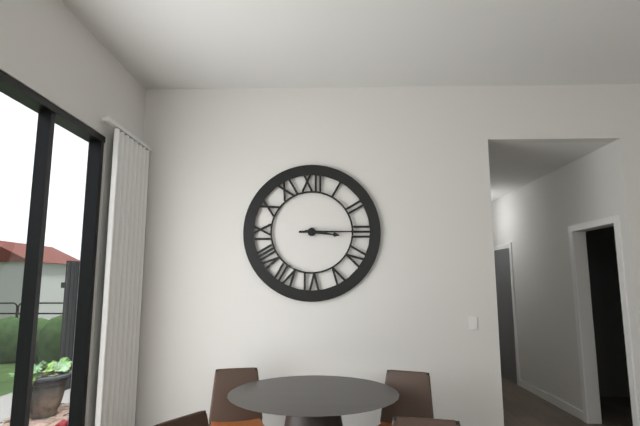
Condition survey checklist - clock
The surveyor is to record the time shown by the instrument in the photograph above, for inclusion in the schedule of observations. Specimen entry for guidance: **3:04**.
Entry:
**3:15**
